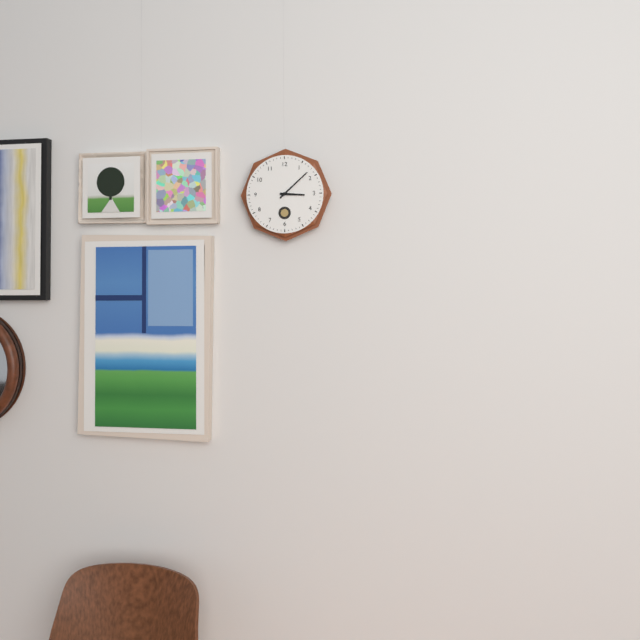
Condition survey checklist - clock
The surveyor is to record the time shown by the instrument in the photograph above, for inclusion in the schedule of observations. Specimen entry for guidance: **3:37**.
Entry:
**3:08**
